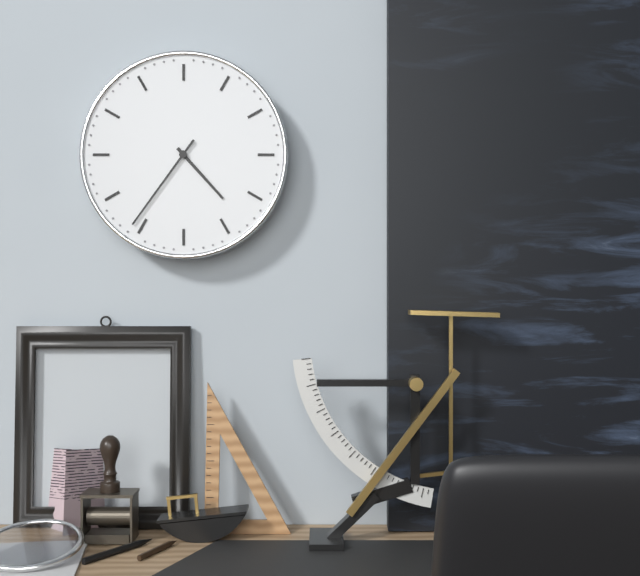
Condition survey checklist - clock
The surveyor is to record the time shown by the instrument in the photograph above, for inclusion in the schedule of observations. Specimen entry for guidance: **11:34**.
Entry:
**4:36**
